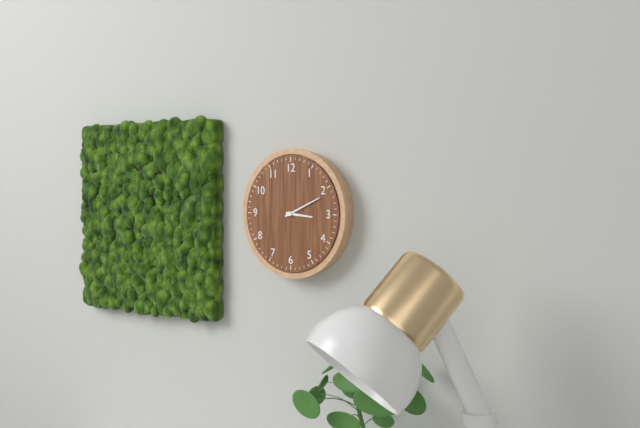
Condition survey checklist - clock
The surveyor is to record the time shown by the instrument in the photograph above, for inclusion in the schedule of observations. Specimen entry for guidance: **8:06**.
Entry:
**3:11**
